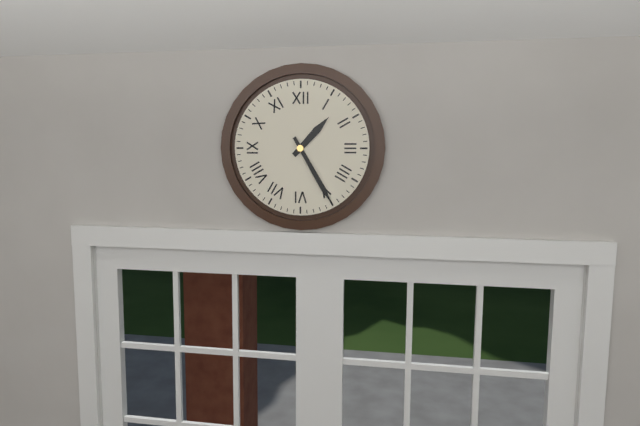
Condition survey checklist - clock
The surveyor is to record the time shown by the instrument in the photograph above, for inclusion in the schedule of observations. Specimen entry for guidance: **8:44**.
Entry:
**1:25**
